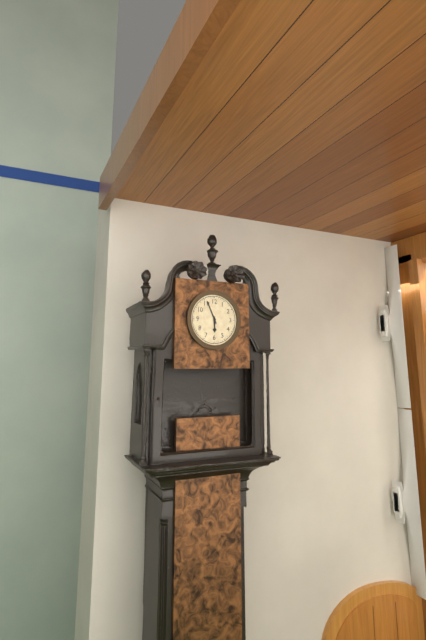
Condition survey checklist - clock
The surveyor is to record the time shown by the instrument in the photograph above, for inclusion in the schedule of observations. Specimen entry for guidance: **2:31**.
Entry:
**5:56**
